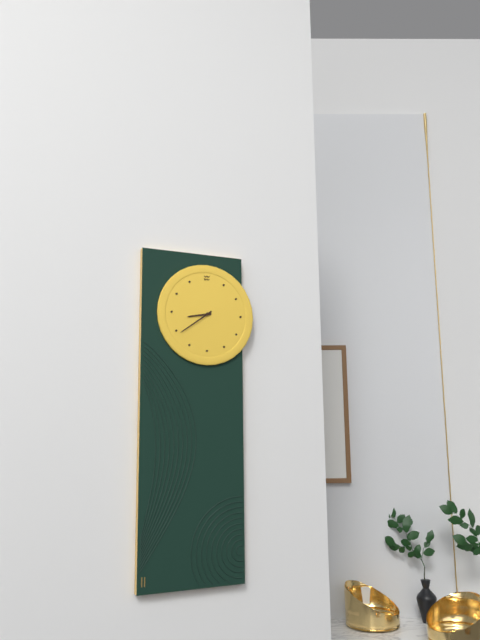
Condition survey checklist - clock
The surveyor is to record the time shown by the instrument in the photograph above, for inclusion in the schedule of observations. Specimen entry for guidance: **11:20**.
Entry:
**8:39**
